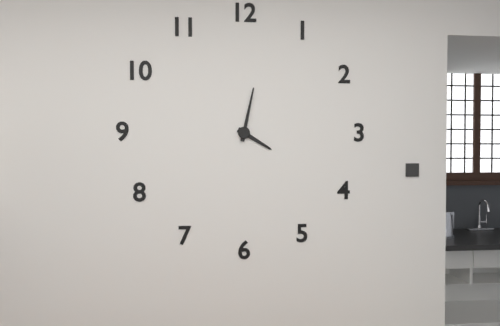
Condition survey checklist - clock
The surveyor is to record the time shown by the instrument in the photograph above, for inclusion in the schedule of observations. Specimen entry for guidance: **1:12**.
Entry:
**4:02**
